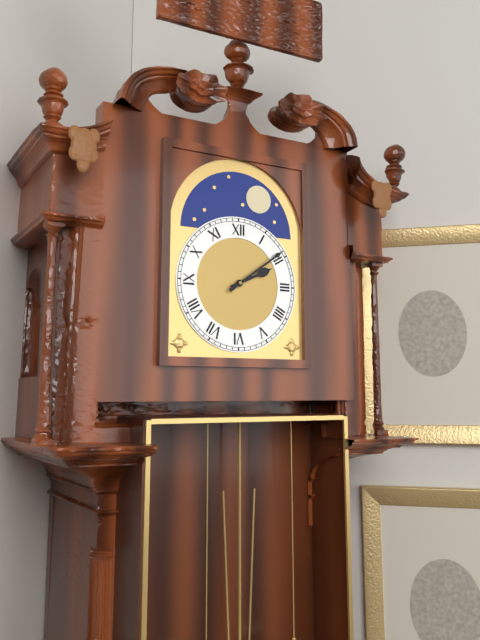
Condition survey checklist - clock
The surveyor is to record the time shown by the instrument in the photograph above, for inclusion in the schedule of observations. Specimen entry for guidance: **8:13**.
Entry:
**2:09**
